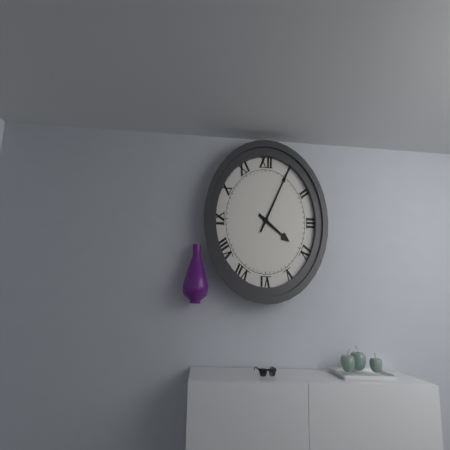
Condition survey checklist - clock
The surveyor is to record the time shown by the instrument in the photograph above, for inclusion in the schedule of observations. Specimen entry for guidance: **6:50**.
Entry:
**4:05**
